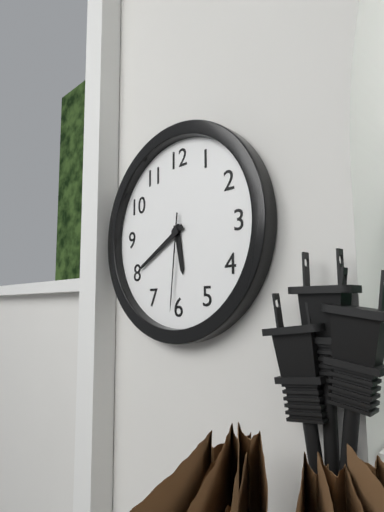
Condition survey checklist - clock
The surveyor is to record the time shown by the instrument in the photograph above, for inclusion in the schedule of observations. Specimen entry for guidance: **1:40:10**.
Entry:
**5:40:31**
